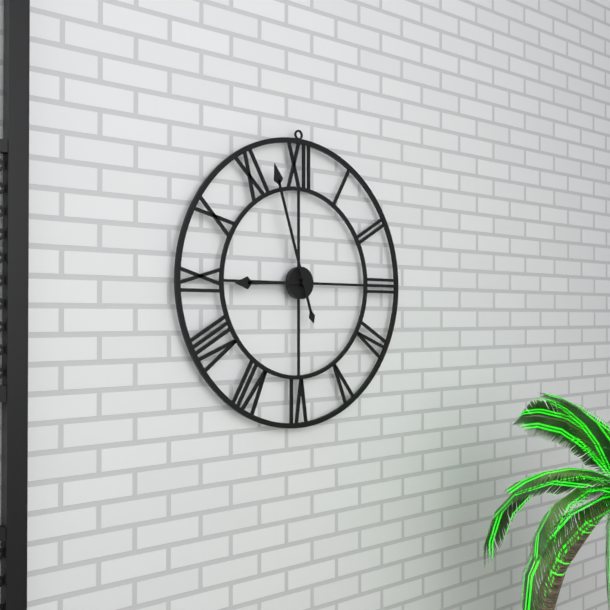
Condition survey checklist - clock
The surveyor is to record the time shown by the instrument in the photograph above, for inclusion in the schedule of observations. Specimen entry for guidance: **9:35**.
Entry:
**8:57**
